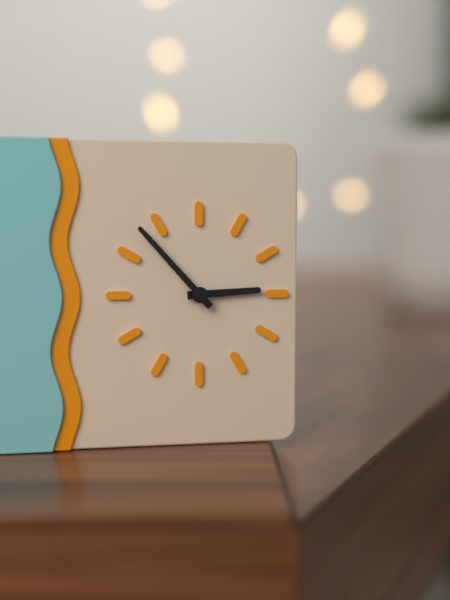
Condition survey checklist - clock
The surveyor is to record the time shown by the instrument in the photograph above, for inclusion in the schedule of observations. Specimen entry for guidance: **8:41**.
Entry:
**2:53**
